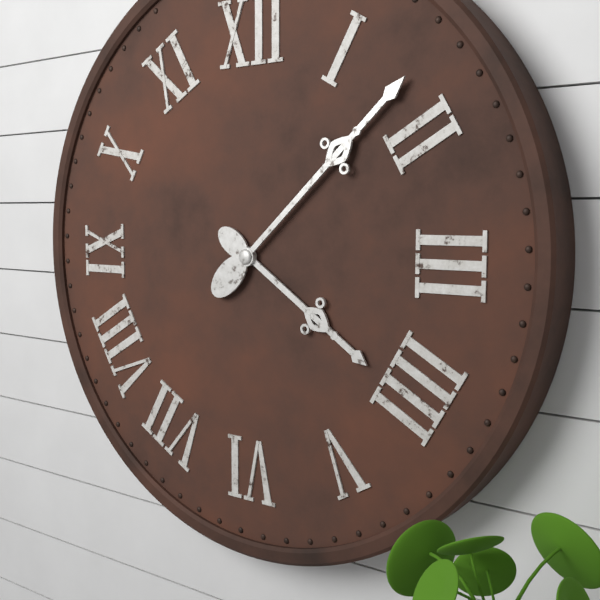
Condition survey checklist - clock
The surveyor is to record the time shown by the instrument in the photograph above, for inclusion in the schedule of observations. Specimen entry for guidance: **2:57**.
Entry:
**4:08**
